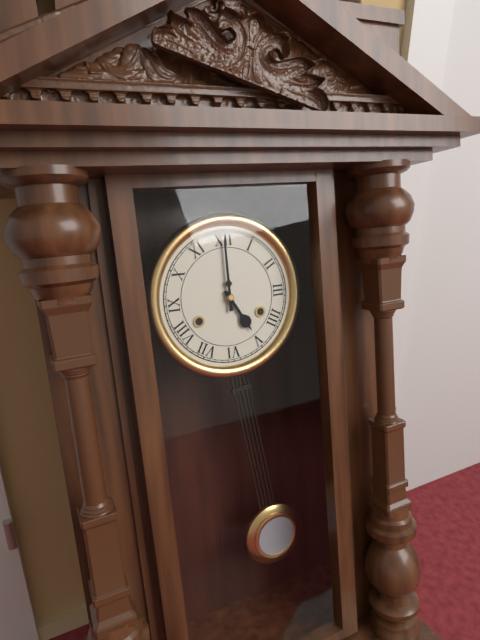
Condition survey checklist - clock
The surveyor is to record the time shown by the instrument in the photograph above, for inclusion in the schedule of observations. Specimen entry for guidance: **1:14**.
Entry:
**5:00**
